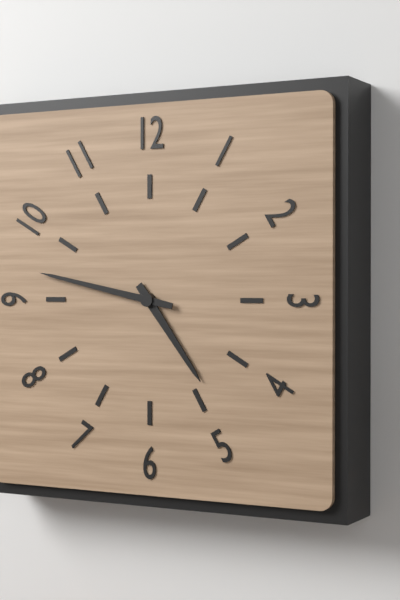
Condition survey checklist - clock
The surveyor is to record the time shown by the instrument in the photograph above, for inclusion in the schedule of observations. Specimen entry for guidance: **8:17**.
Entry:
**4:47**
